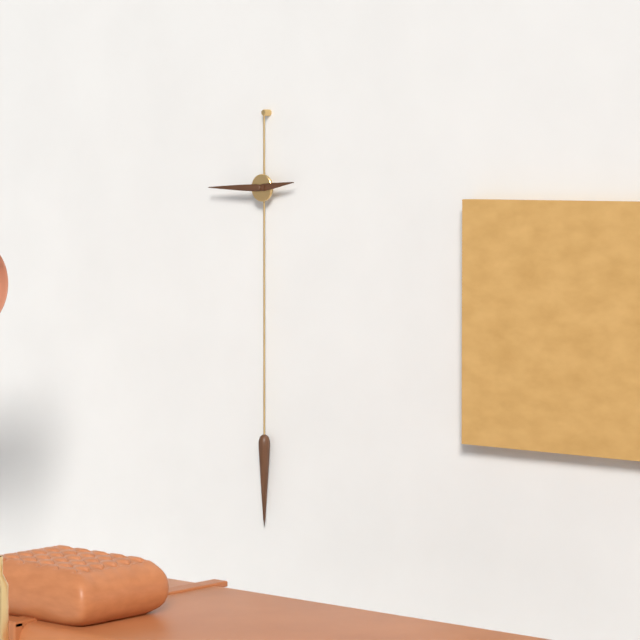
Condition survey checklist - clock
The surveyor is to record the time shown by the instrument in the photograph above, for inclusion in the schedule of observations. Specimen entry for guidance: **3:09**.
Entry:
**2:45**
